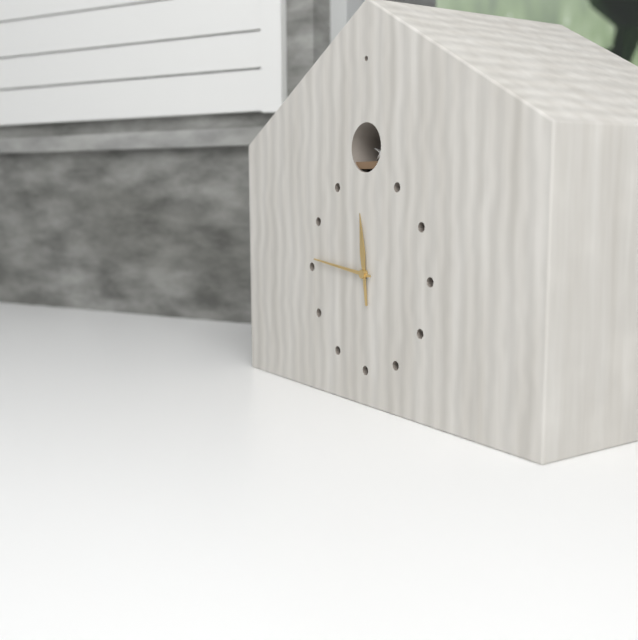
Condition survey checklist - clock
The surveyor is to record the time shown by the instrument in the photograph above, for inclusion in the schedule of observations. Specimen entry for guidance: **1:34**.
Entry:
**11:46**
